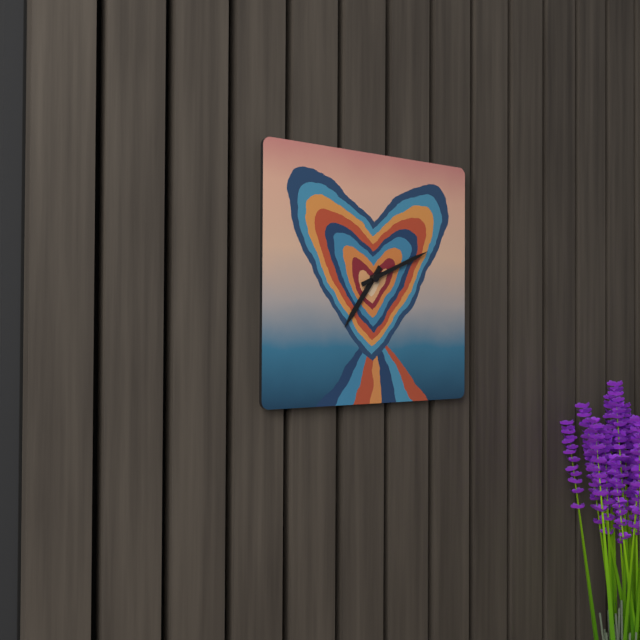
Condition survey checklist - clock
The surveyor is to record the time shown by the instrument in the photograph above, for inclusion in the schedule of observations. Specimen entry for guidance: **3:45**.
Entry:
**7:11**
